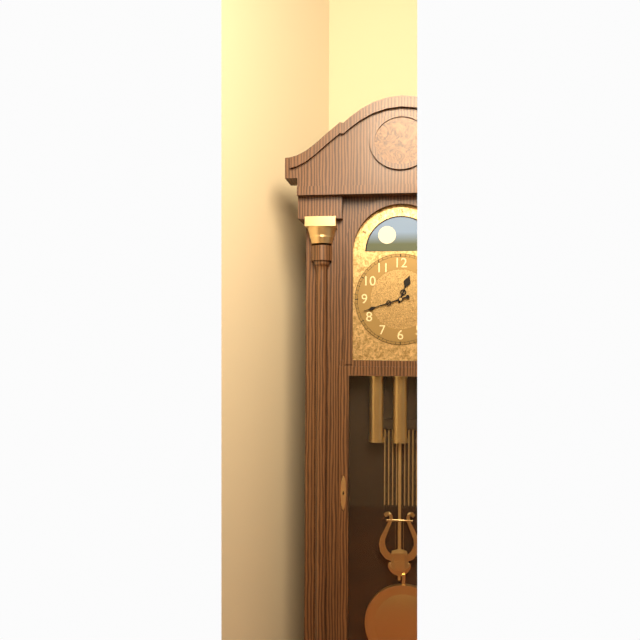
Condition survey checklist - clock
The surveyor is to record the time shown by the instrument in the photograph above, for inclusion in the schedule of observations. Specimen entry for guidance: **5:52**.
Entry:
**12:42**
